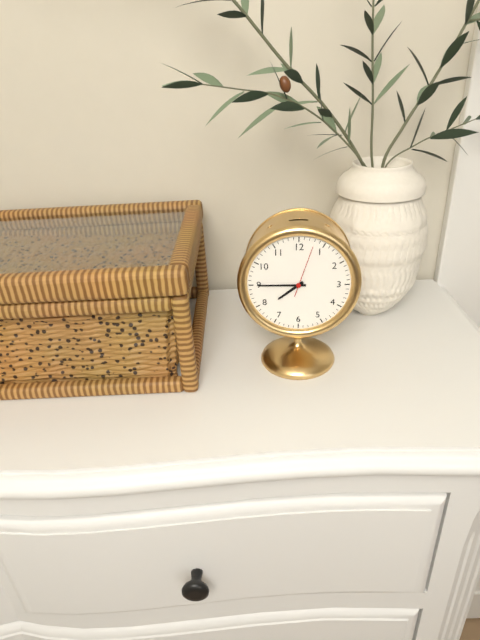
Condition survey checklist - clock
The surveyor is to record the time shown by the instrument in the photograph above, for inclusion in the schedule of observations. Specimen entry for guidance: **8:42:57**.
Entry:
**7:45:03**
